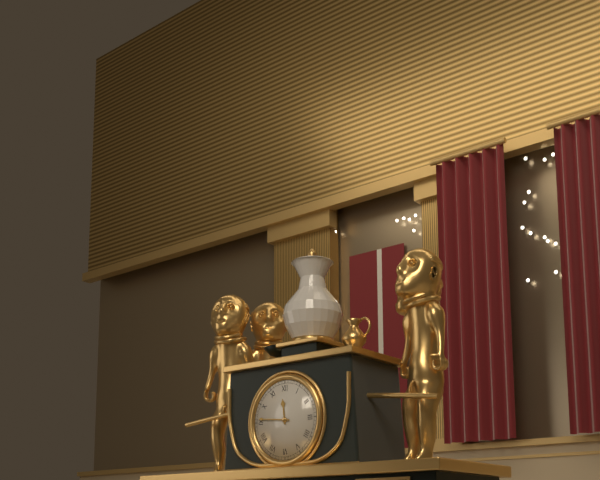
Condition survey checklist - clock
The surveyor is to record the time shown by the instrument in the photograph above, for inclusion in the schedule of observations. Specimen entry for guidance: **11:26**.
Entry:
**11:46**
